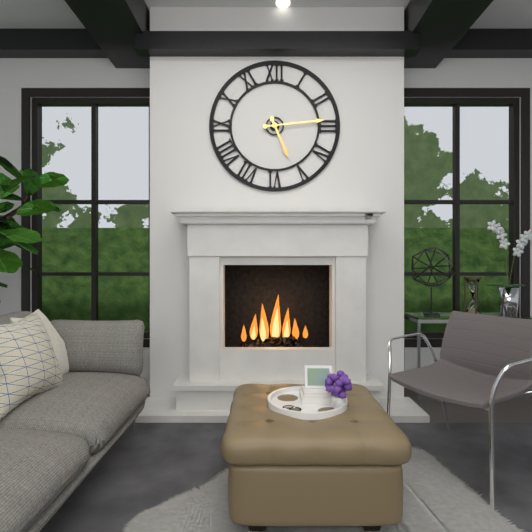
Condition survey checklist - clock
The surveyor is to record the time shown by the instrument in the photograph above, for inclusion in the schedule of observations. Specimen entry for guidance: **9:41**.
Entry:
**5:14**
